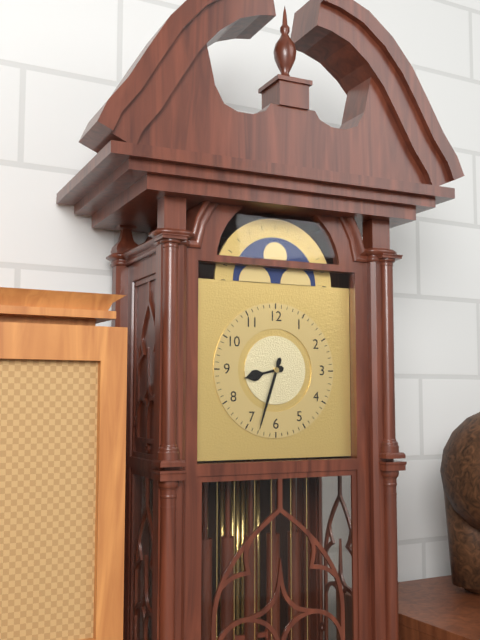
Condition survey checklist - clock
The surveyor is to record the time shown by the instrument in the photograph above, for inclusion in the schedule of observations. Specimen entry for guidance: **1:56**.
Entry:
**8:33**
